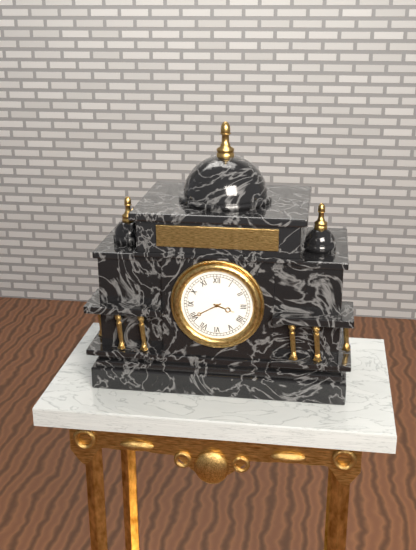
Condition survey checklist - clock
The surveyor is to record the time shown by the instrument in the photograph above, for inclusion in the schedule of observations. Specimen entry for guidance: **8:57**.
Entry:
**3:40**
